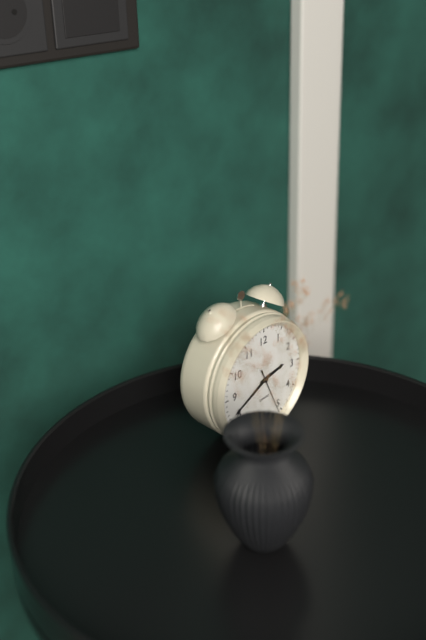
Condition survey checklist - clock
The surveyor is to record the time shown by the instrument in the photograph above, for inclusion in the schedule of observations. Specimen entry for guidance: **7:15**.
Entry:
**2:41**
